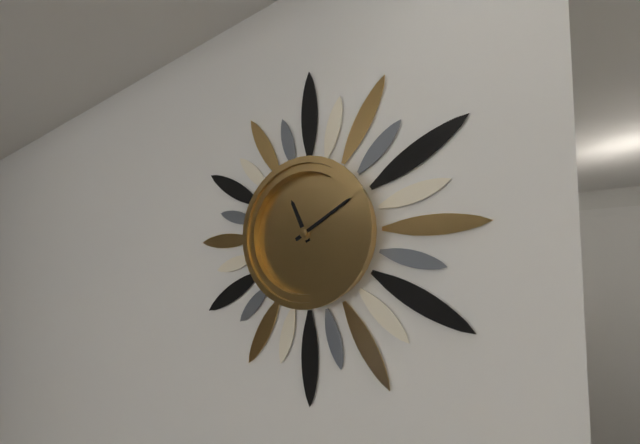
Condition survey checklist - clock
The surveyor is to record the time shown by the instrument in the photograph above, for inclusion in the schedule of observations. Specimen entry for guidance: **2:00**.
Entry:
**11:10**
